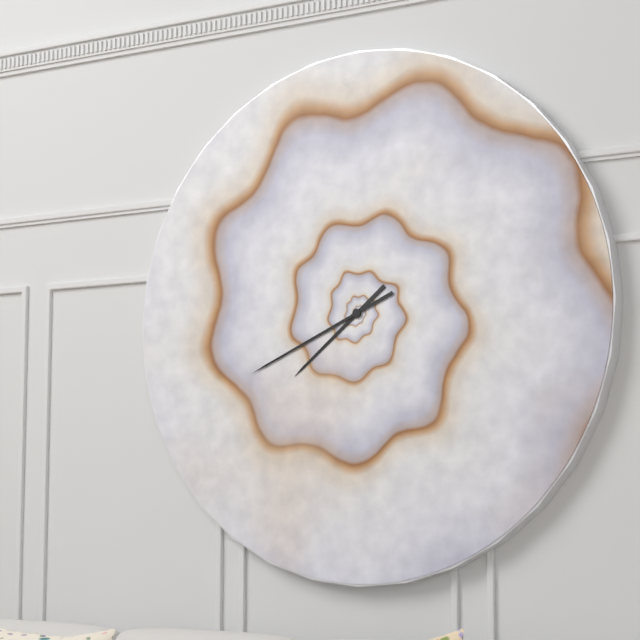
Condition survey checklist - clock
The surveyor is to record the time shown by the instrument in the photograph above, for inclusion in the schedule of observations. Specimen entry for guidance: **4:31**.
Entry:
**7:41**
